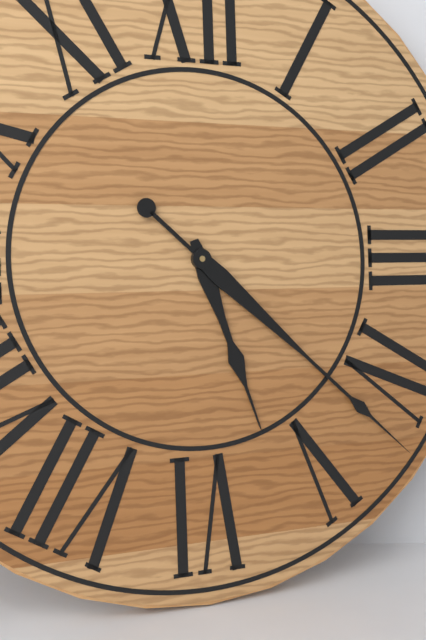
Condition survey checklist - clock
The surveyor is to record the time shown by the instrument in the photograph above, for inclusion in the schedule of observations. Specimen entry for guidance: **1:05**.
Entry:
**5:22**
